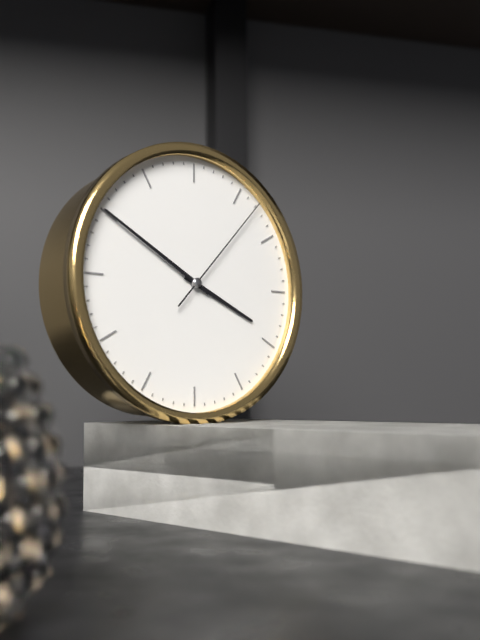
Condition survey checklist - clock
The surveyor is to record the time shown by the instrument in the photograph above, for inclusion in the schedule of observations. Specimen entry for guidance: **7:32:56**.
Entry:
**3:50:07**
